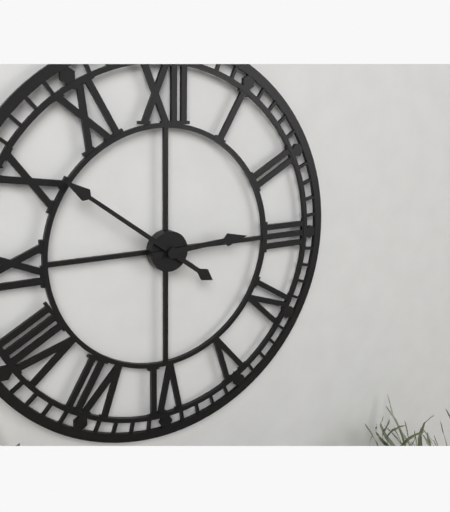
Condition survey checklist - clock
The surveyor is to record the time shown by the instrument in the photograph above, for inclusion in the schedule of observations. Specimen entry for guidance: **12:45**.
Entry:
**2:51**
